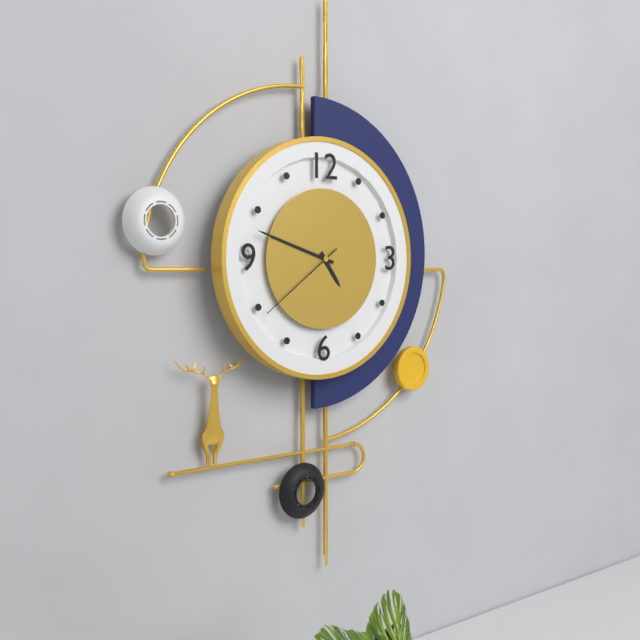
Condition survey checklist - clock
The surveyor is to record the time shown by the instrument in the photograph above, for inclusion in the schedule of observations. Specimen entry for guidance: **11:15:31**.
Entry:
**4:48:39**
